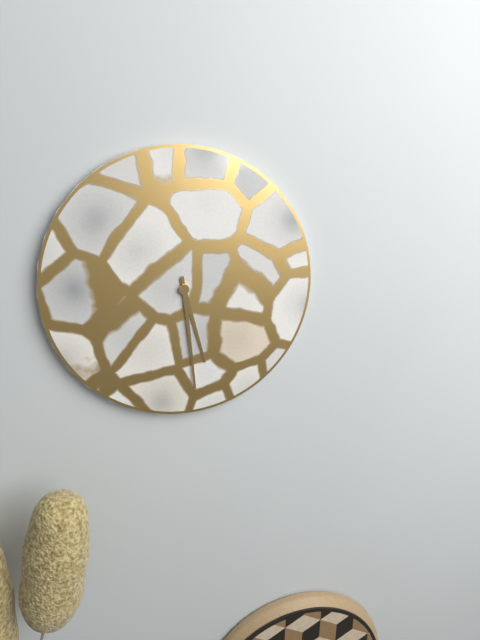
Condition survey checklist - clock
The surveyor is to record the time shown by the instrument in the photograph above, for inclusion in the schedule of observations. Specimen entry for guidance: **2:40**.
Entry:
**5:29**
